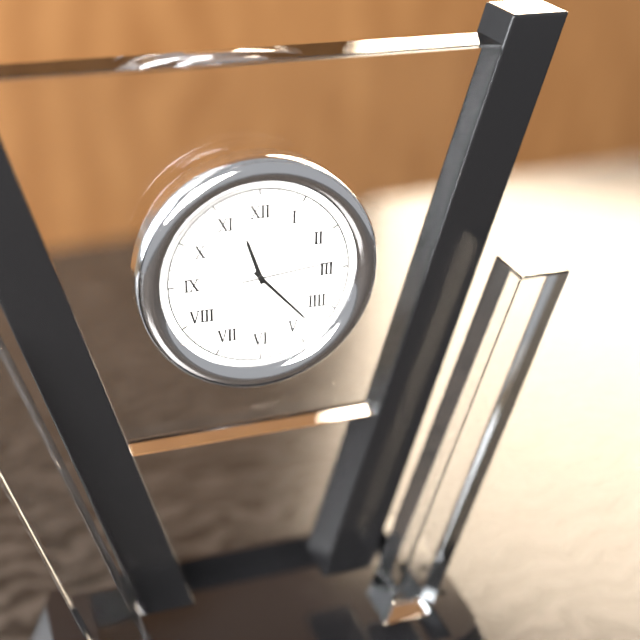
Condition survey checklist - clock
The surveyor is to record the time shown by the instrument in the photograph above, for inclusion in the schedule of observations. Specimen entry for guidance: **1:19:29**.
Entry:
**11:23:14**
